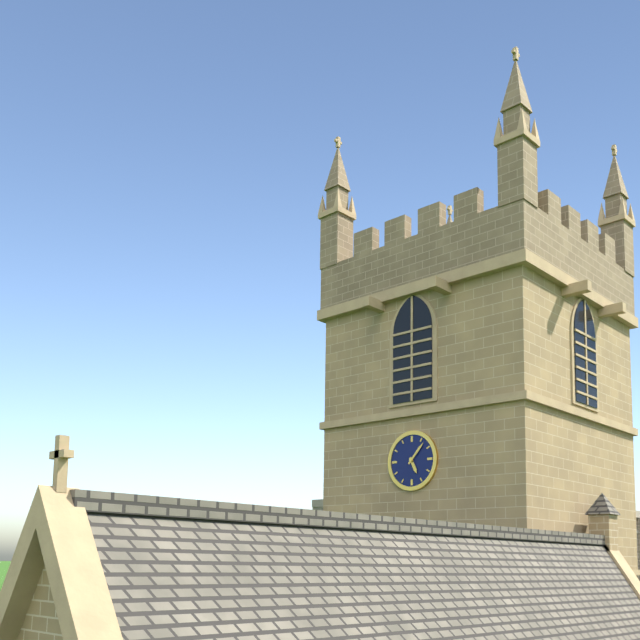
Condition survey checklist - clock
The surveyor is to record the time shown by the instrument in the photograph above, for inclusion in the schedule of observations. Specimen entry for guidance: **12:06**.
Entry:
**5:07**
